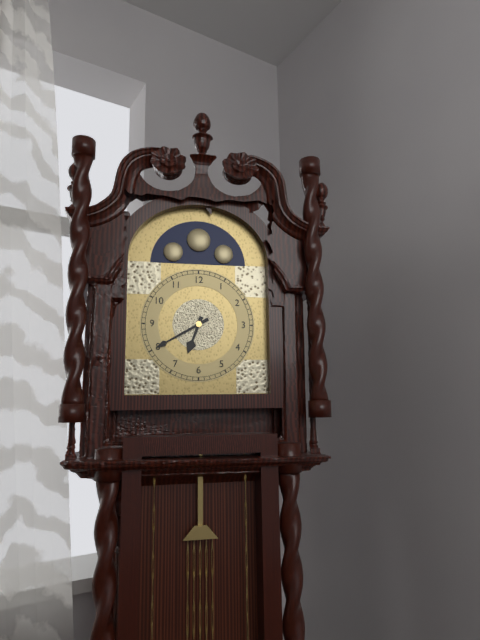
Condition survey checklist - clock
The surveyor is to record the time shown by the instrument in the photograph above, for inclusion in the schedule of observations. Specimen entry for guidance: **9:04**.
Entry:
**6:40**
